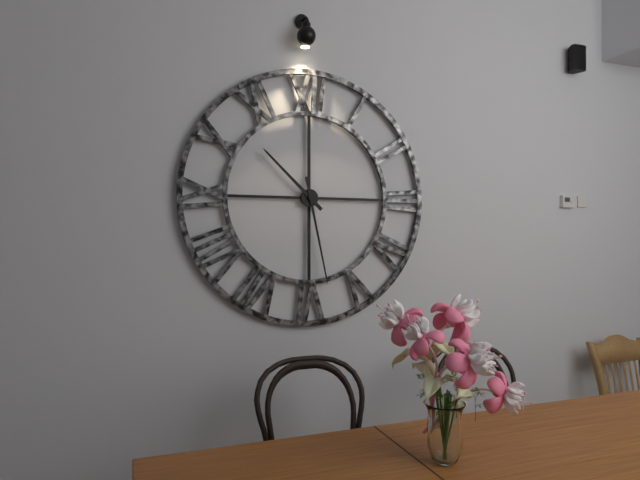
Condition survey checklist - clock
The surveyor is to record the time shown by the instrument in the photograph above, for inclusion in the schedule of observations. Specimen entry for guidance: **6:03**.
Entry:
**10:28**
